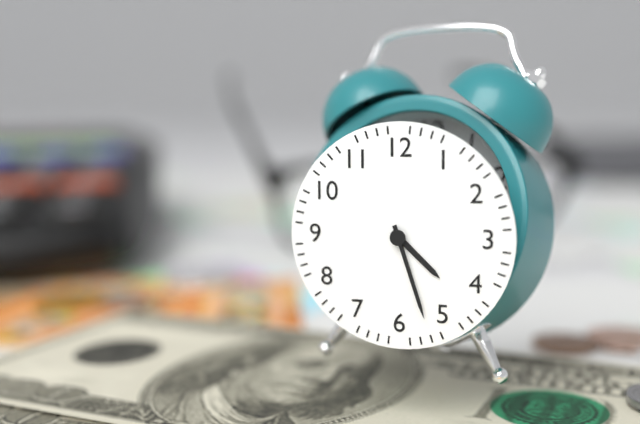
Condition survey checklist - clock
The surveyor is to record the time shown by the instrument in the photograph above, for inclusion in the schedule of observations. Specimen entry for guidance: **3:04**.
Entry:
**4:27**
